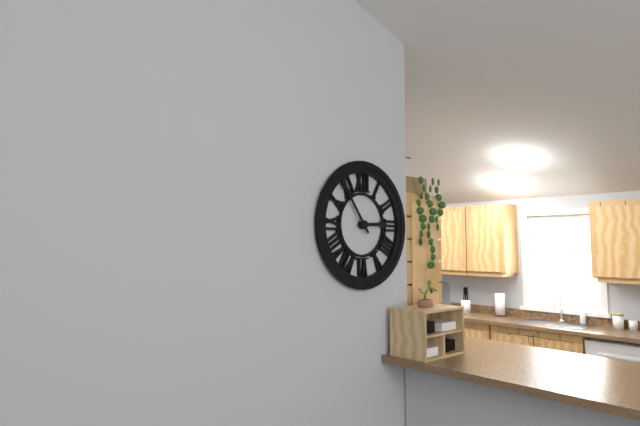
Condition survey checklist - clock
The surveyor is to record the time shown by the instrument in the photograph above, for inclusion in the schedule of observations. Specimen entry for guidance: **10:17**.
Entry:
**2:54**
